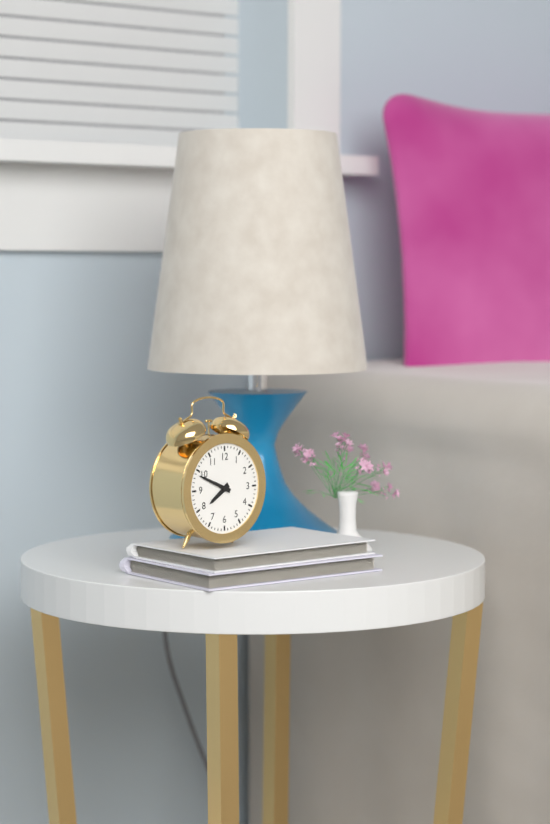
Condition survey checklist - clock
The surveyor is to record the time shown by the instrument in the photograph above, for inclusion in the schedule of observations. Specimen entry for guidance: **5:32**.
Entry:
**7:49**
